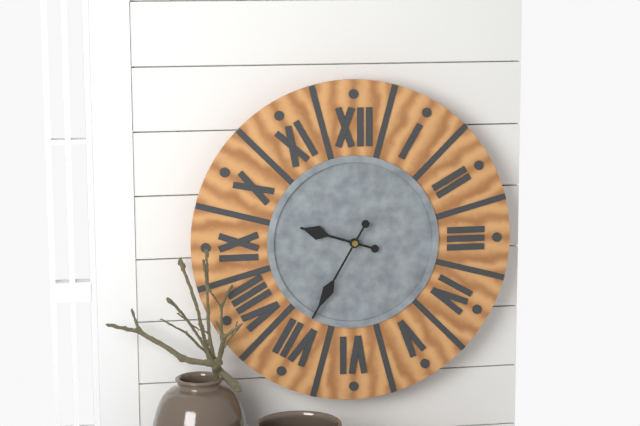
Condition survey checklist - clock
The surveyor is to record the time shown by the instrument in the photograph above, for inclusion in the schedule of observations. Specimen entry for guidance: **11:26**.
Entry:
**9:35**
